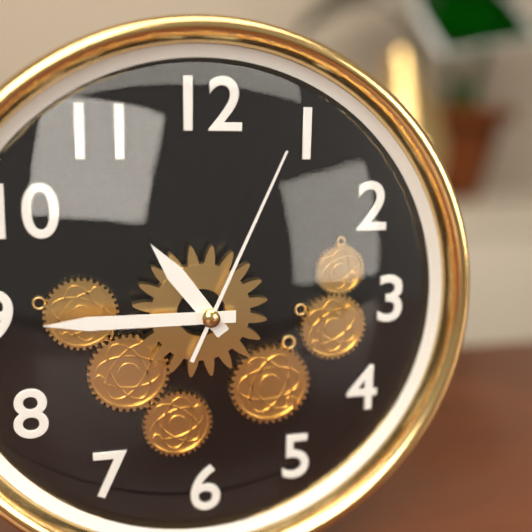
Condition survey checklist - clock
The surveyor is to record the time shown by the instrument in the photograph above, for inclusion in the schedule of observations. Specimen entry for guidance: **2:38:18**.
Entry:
**10:45:04**
